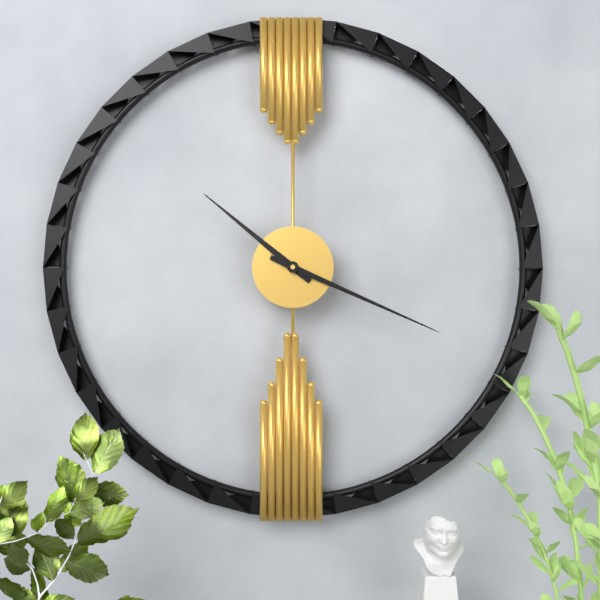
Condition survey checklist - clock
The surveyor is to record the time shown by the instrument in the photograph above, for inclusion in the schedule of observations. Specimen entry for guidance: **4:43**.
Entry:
**10:19**
